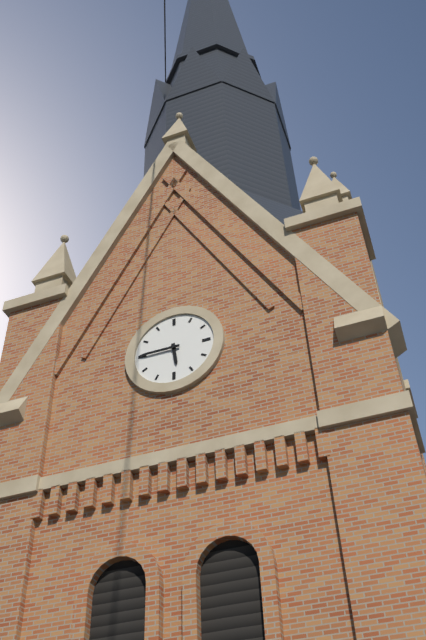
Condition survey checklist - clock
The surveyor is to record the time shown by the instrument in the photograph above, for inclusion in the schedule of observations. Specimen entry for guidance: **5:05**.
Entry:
**5:45**
